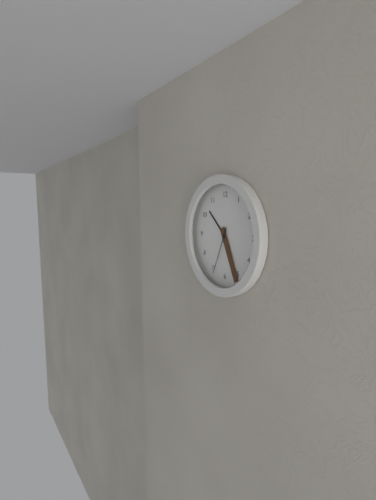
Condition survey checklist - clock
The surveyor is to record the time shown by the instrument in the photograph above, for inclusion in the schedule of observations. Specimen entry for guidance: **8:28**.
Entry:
**10:26**
